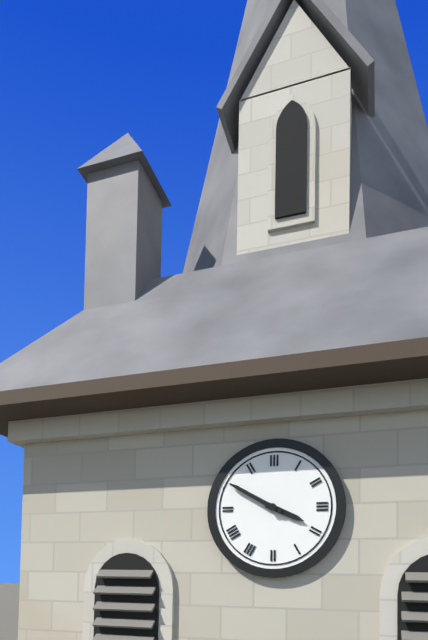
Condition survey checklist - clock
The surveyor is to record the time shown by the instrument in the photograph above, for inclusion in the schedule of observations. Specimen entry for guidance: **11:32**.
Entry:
**3:50**
